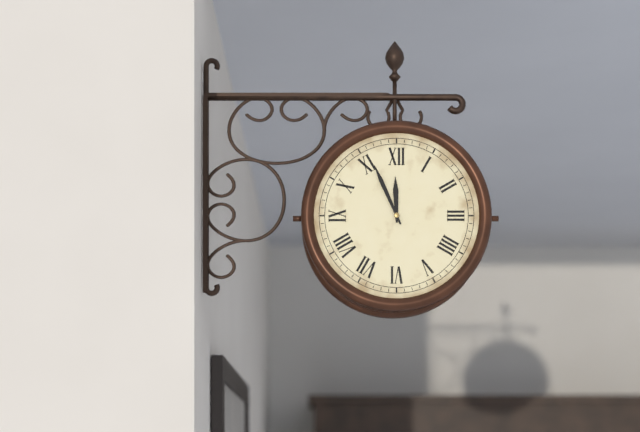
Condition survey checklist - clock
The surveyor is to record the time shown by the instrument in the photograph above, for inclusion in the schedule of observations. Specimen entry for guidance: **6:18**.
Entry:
**11:56**
